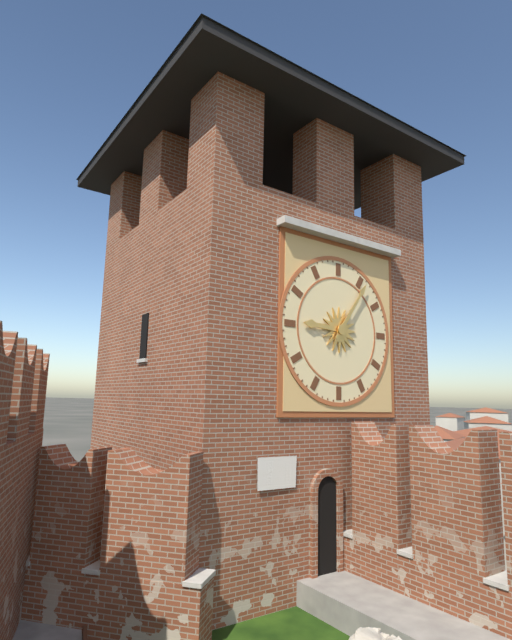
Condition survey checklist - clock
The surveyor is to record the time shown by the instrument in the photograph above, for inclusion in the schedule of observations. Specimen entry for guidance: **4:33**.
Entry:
**9:06**
